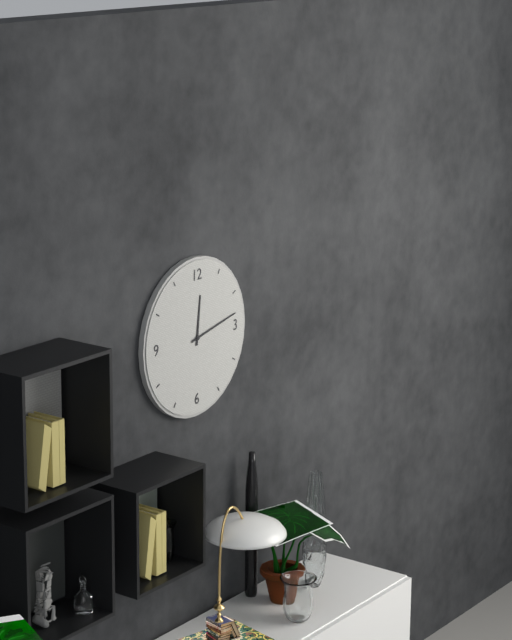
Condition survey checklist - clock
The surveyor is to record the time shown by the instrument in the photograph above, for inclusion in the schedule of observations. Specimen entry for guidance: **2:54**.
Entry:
**12:13**
